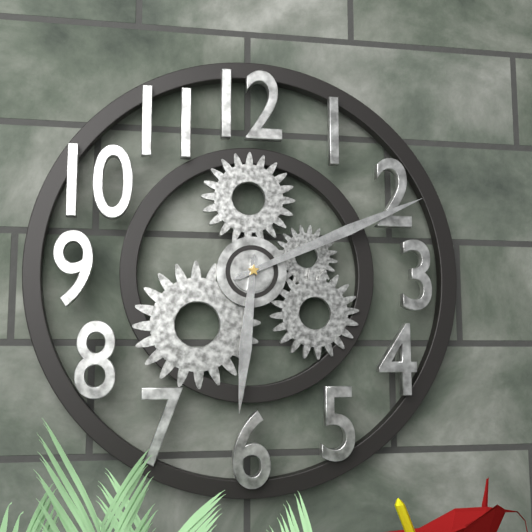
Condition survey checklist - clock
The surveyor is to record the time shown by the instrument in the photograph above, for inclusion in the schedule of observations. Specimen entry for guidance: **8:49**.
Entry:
**6:11**
